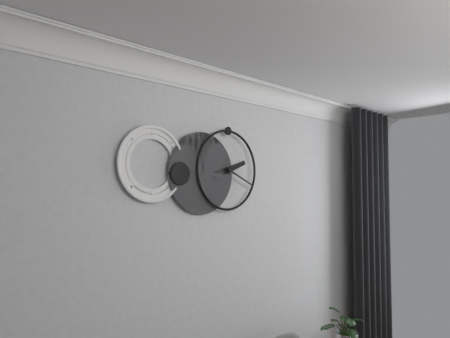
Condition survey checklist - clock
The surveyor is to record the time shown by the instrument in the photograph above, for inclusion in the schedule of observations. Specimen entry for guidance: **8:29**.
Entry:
**2:19**
